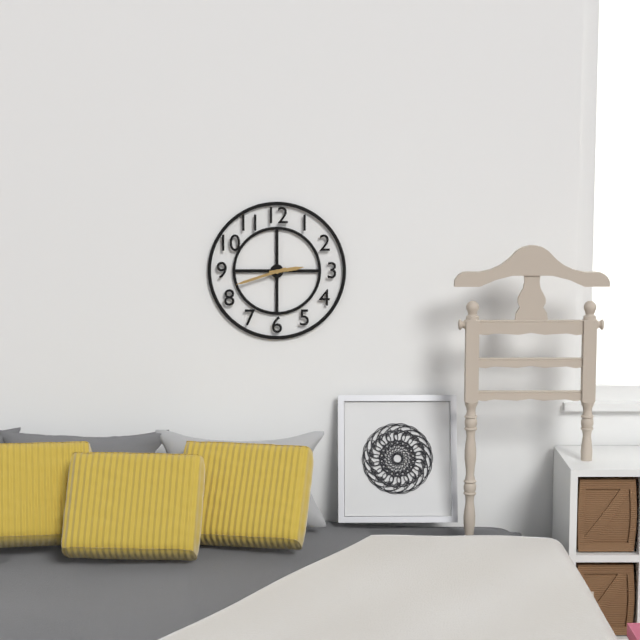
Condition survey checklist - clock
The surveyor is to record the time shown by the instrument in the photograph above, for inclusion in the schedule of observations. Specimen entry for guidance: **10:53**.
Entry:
**2:42**
